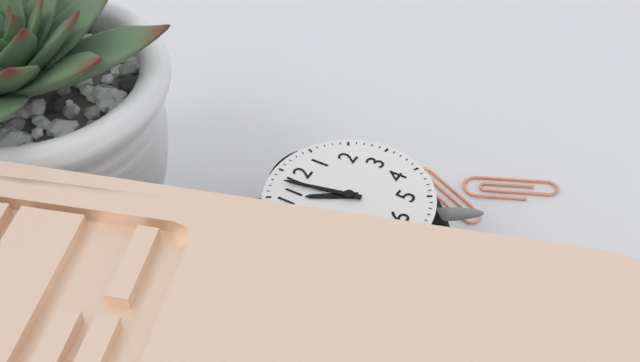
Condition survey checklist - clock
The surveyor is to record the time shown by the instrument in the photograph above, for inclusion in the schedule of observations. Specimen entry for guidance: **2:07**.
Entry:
**10:58**
